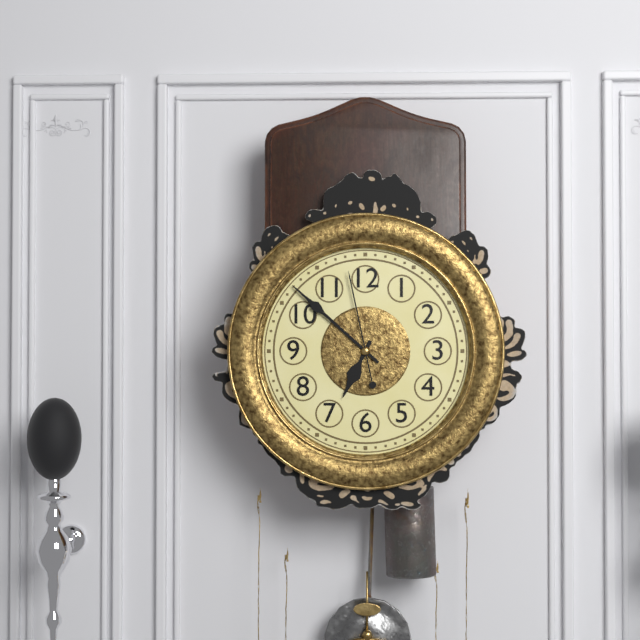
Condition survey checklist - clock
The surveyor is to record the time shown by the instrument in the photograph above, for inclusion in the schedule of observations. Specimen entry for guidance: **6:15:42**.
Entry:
**6:52:58**
